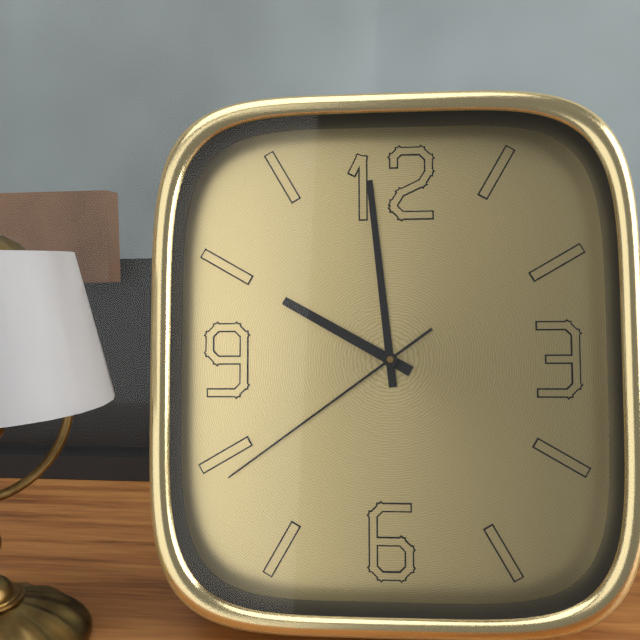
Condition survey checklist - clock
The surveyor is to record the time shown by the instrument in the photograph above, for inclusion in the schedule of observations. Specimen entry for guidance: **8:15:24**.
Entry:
**9:59:39**
